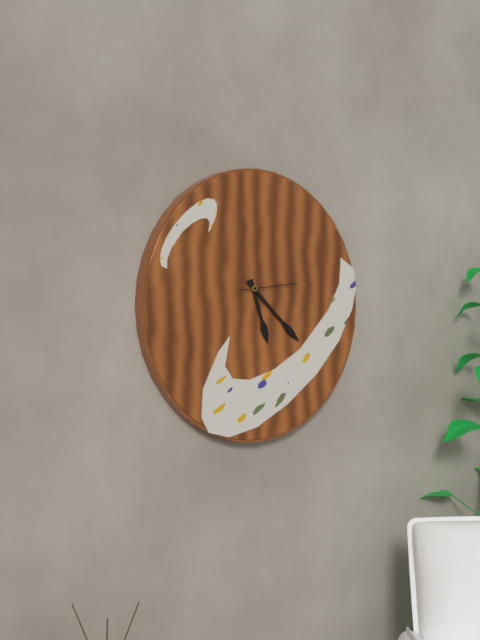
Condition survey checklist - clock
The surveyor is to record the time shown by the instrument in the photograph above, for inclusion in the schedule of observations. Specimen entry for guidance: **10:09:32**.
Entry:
**5:22:14**
